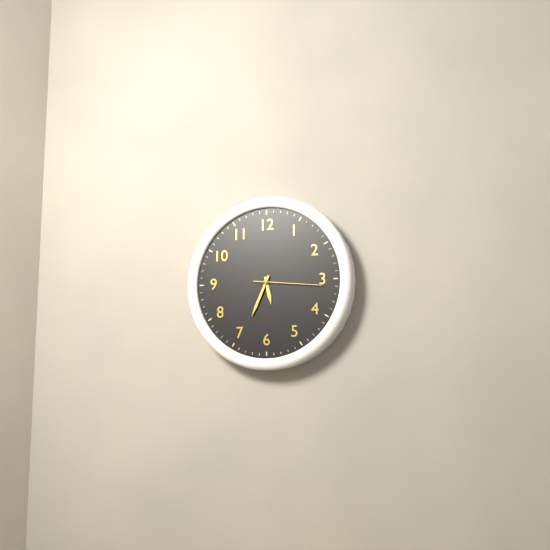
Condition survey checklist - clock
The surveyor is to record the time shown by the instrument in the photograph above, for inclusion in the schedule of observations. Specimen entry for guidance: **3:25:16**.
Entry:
**5:34:16**
